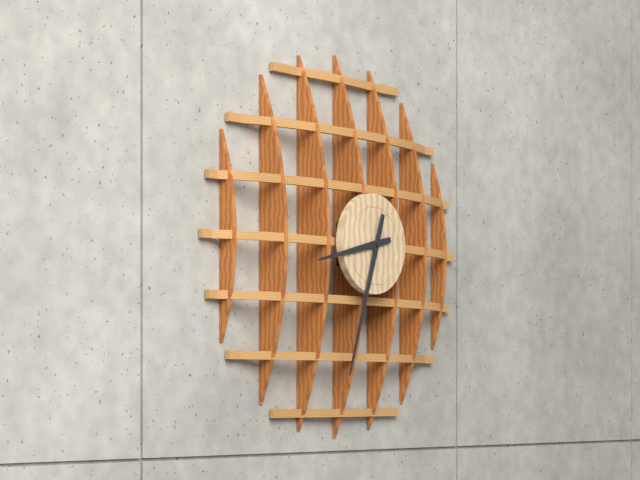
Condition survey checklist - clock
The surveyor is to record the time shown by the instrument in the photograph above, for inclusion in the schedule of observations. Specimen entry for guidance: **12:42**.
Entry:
**8:33**
